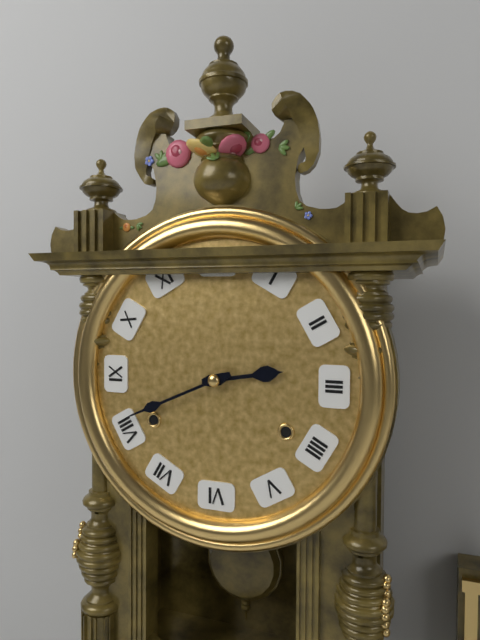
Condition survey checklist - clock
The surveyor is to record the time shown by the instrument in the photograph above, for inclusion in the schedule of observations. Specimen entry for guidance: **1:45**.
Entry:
**2:41**
